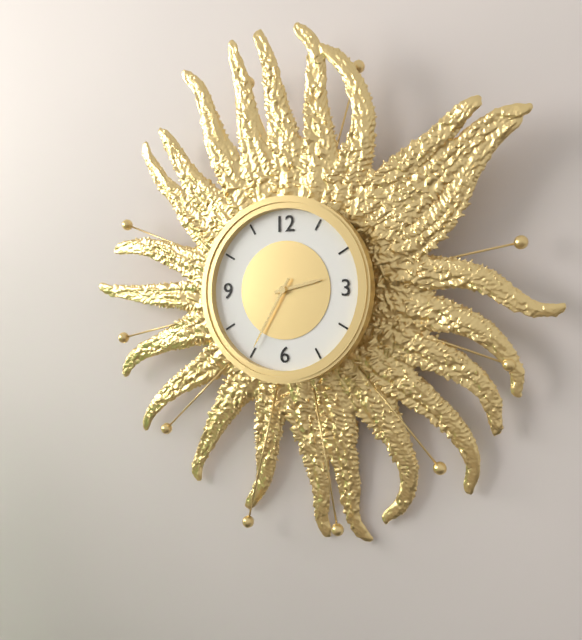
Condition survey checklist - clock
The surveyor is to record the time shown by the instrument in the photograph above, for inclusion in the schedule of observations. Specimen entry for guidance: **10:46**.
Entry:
**2:35**
